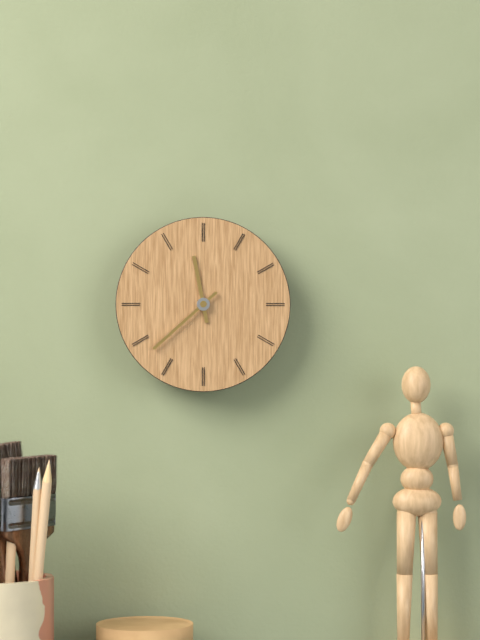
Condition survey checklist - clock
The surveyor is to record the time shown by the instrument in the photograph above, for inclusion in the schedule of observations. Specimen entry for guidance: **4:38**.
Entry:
**11:38**
